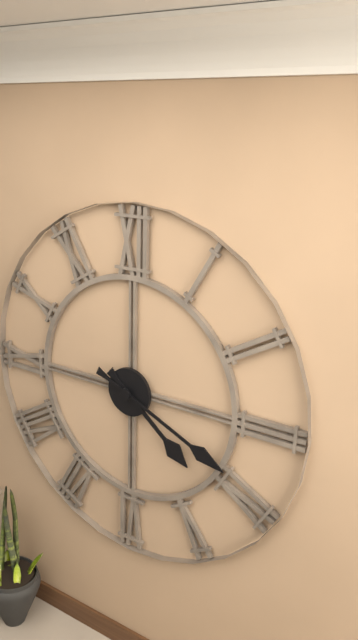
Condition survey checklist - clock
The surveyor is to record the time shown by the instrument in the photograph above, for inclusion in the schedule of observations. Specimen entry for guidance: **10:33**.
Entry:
**4:19**
